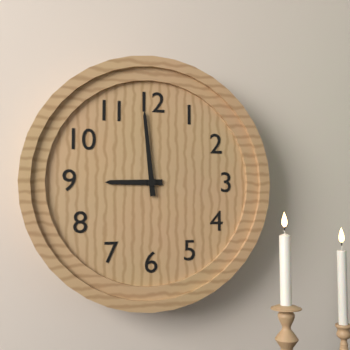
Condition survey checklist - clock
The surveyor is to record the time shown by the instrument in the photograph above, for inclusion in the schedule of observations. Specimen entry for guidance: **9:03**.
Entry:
**8:59**
